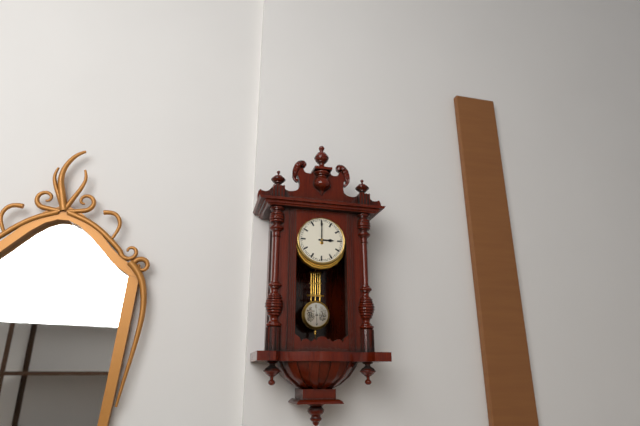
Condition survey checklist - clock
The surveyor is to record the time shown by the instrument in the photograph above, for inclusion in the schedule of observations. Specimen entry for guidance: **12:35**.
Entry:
**3:00**
